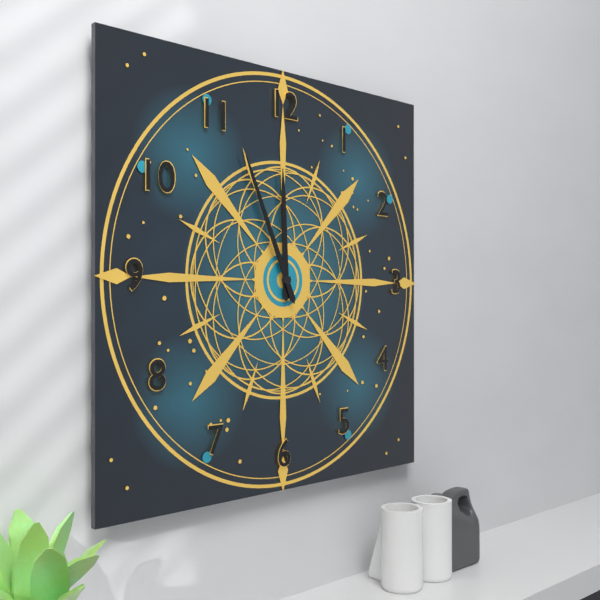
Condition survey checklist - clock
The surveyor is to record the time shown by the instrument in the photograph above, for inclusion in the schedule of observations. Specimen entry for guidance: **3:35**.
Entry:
**11:56**
